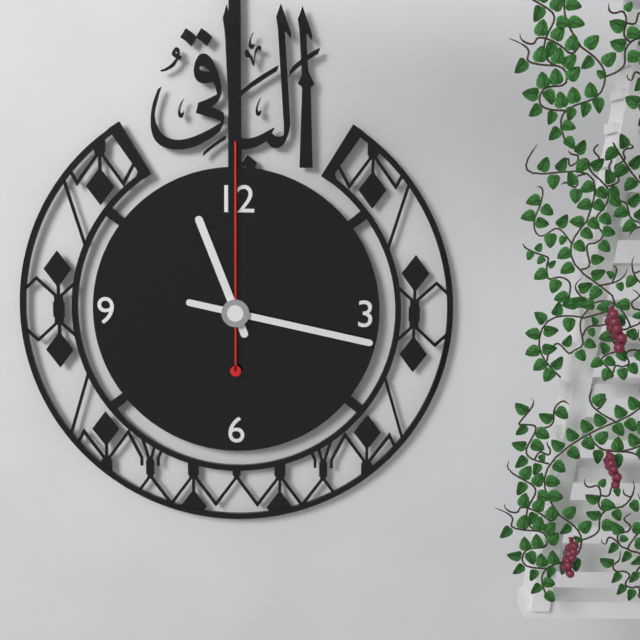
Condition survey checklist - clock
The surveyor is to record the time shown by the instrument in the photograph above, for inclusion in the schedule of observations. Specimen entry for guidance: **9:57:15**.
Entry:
**11:17:00**
